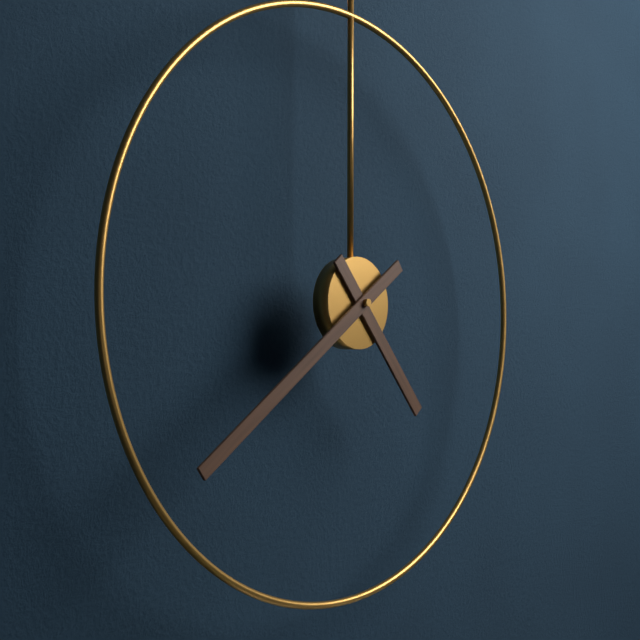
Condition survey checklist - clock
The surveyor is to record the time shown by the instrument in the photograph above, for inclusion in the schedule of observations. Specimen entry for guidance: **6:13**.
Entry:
**4:39**
